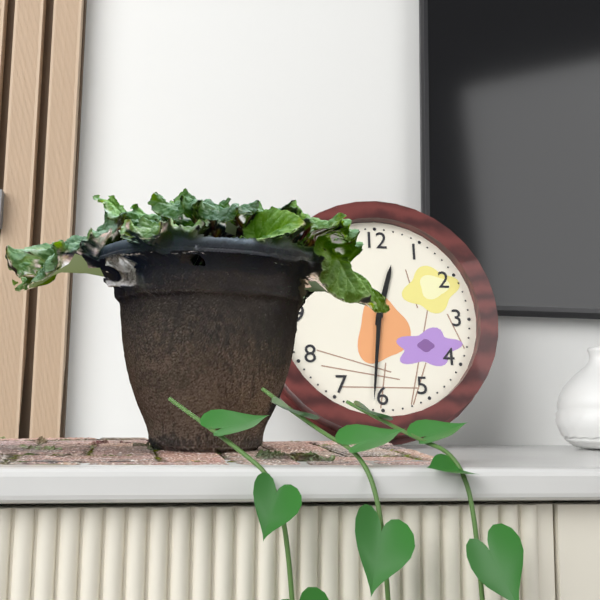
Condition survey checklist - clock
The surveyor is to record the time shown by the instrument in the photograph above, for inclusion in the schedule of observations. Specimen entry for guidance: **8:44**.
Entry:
**12:31**
